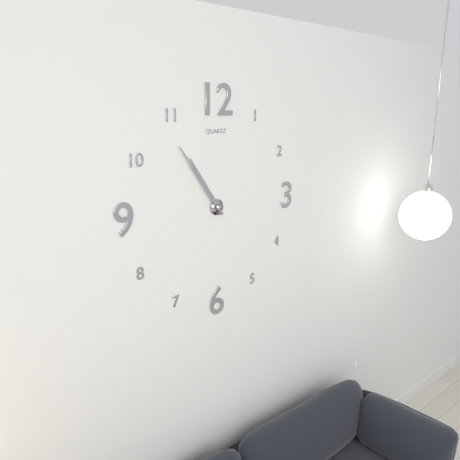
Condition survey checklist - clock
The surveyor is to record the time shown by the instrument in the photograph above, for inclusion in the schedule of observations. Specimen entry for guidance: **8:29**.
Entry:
**10:54**
